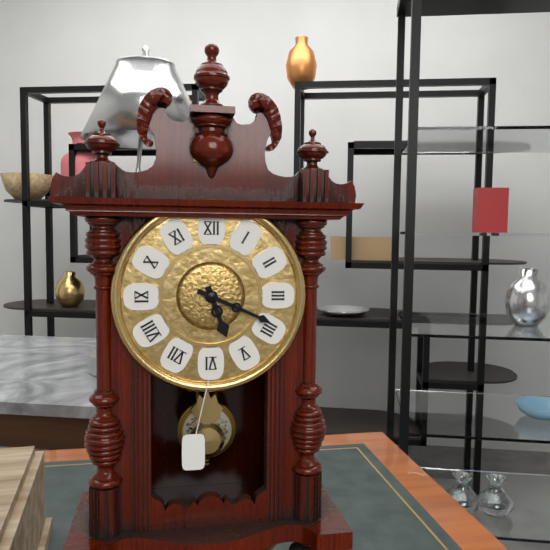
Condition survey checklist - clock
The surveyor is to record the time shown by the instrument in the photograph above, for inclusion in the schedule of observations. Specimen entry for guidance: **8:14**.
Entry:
**5:19**
